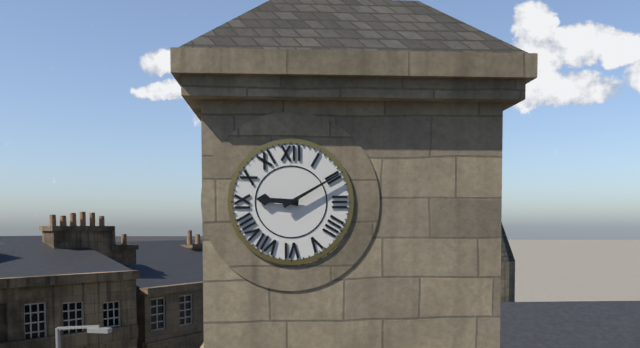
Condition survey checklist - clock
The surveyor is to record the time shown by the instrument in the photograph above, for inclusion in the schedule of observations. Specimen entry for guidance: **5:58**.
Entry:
**9:10**
